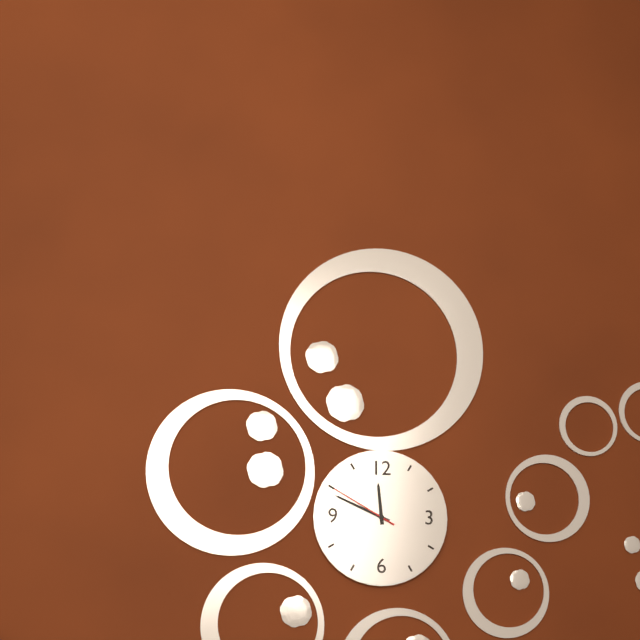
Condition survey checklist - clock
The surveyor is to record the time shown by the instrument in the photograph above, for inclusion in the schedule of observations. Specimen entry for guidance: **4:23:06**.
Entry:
**11:49:50**
